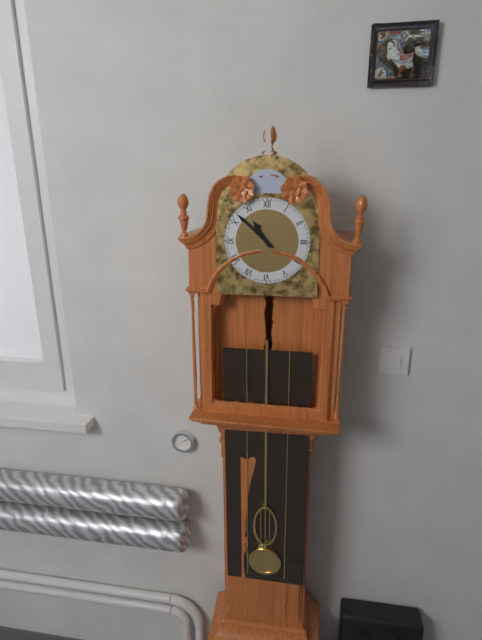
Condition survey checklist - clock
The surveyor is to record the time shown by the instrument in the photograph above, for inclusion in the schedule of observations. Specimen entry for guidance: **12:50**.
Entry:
**10:52**
